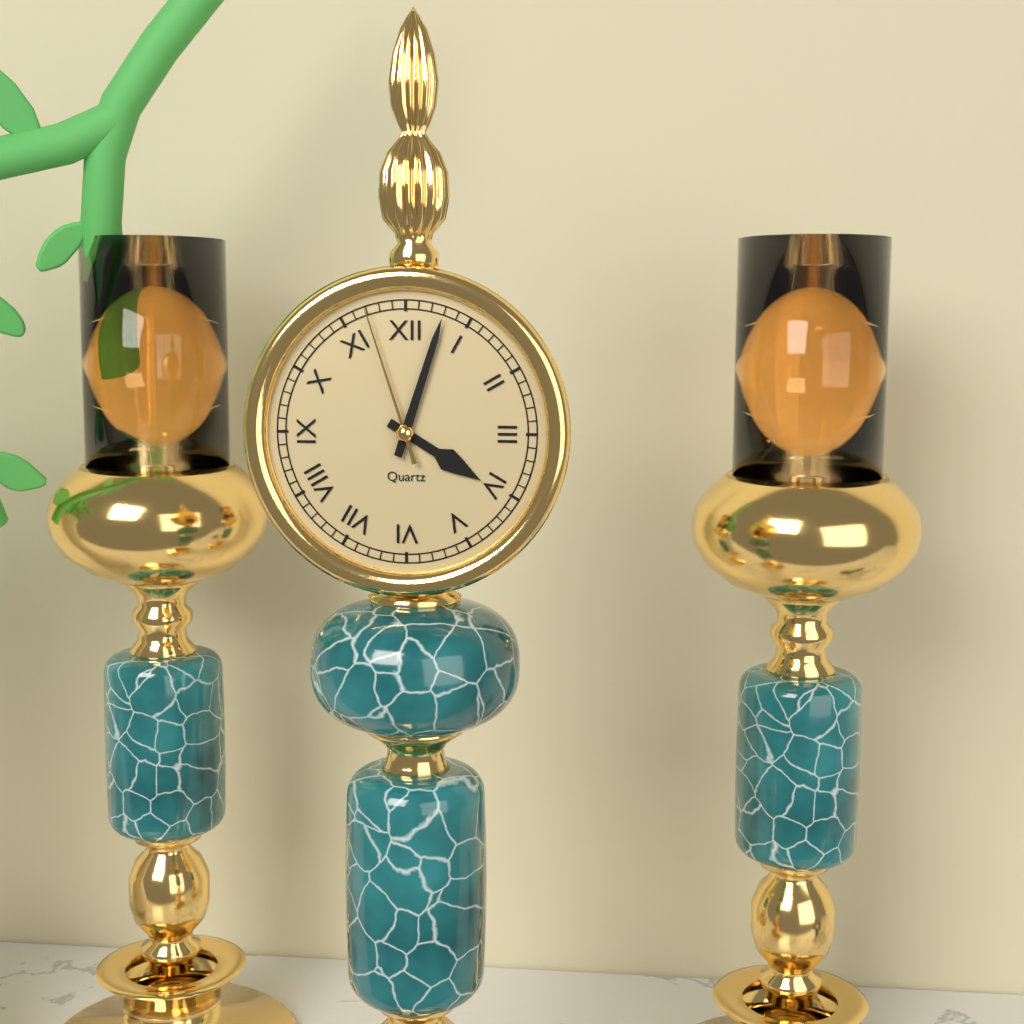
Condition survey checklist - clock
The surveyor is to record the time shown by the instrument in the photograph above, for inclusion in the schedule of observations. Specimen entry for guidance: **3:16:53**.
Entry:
**4:03:57**
